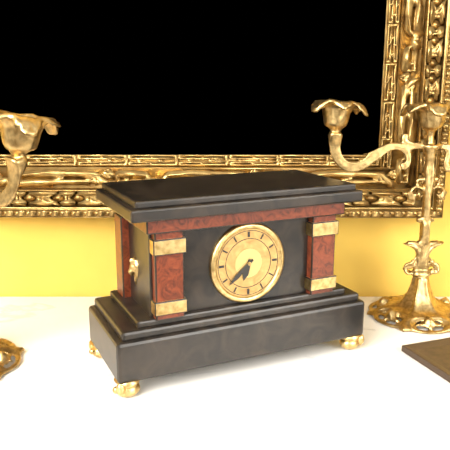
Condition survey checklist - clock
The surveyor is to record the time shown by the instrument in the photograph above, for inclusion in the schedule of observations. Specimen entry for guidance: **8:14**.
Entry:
**6:38**
